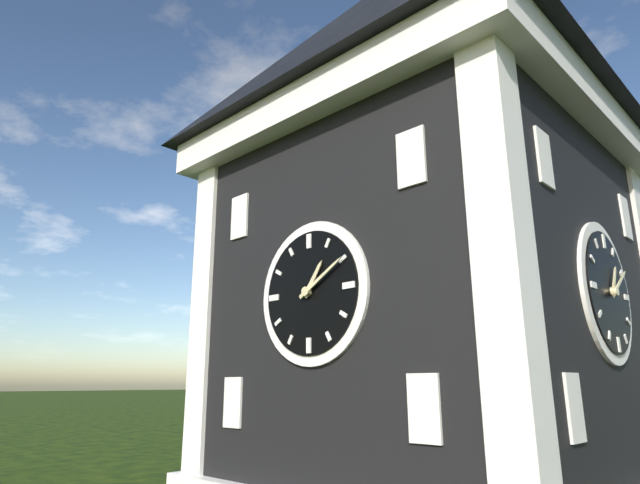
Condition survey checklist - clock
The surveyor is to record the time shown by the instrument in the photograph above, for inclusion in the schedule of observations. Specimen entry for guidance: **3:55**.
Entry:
**1:10**
